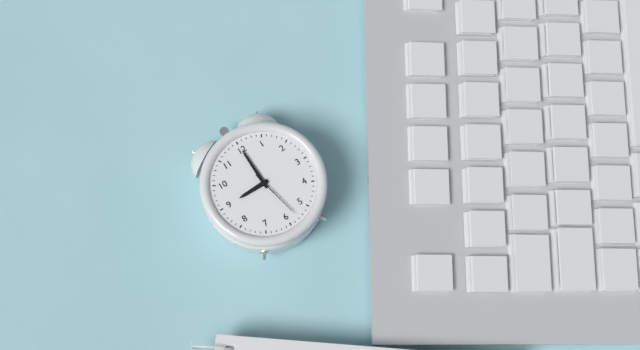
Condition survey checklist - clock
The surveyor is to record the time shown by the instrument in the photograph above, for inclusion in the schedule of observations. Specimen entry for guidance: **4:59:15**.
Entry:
**9:00:28**
